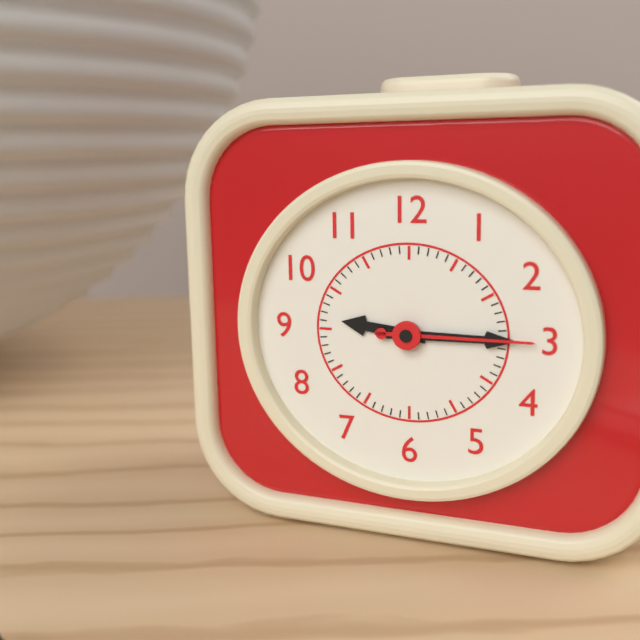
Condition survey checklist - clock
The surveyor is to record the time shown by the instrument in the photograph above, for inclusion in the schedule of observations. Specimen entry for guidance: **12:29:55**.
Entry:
**9:15:15**
